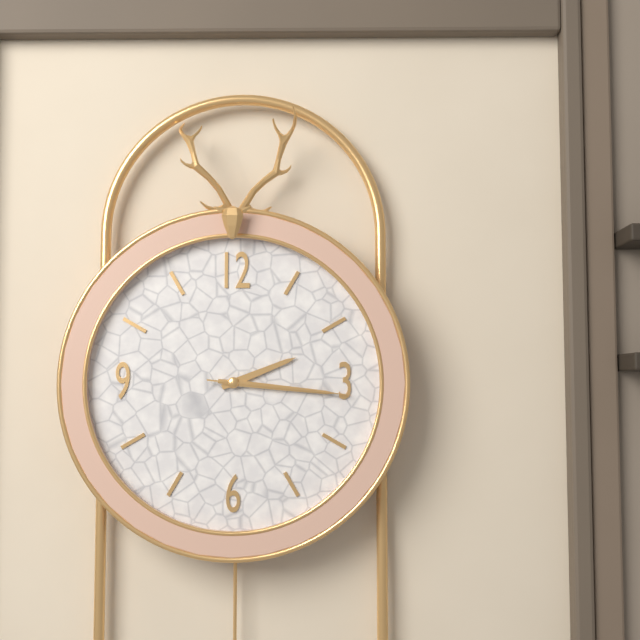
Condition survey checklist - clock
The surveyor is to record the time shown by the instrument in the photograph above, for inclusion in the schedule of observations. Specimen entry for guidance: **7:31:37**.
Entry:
**2:16:16**
